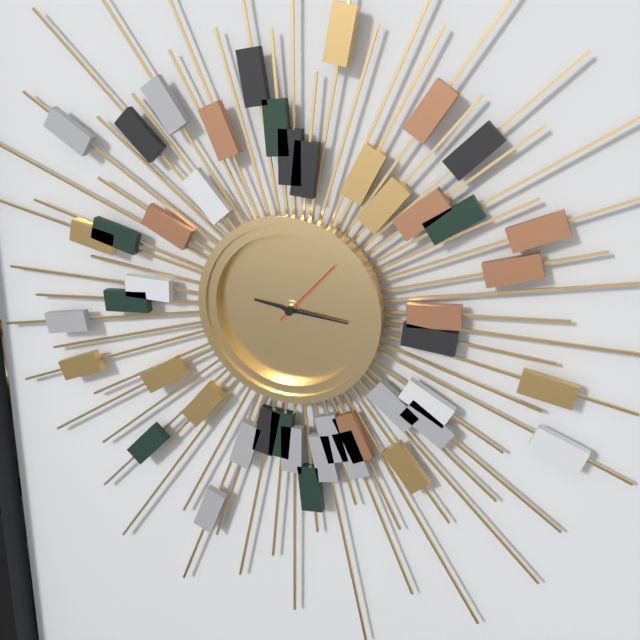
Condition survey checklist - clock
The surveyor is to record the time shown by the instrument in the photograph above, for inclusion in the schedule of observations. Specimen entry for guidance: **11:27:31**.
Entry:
**9:16:07**
